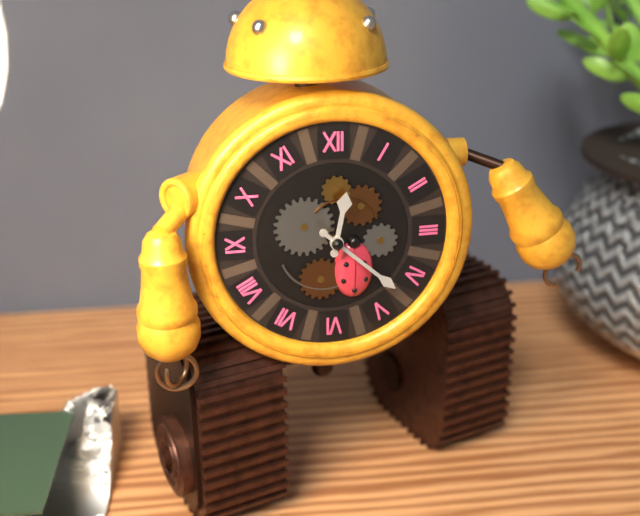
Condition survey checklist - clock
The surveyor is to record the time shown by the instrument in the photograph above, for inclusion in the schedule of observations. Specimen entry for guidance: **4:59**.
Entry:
**12:22**
